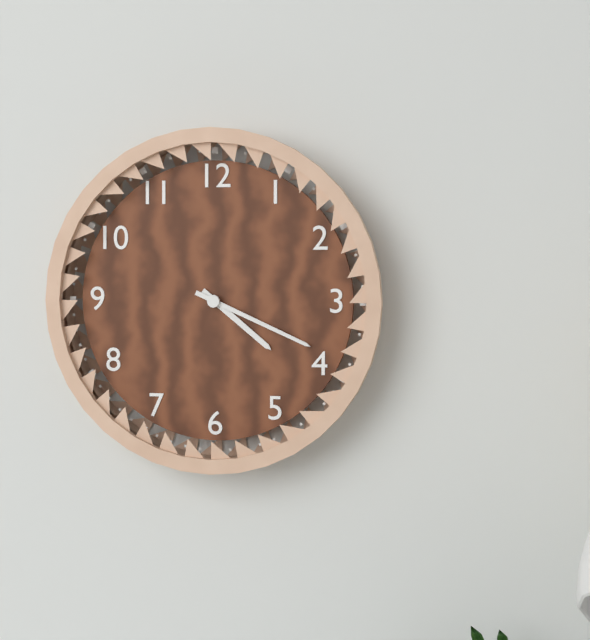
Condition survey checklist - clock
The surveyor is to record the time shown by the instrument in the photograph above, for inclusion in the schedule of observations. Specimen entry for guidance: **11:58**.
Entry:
**4:19**
